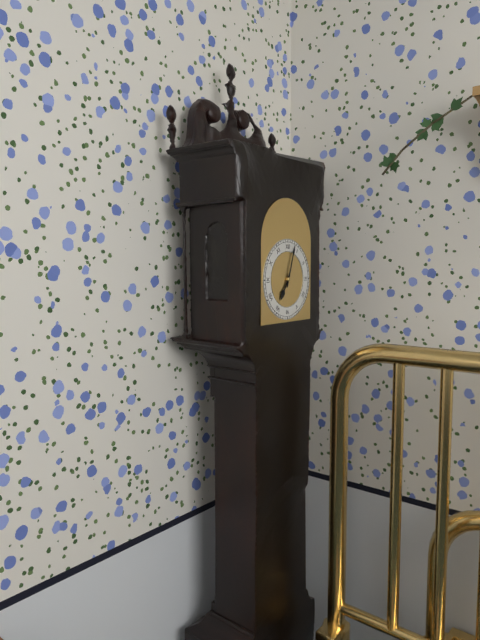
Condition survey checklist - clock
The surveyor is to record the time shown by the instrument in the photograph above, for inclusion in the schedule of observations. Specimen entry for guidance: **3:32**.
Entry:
**7:03**
